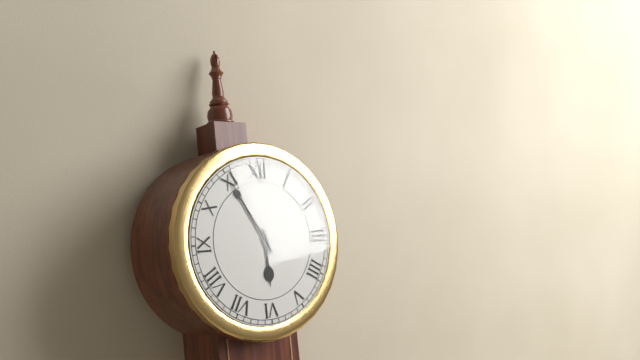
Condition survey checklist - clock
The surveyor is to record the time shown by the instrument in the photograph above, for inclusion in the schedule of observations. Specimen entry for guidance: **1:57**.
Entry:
**5:55**
